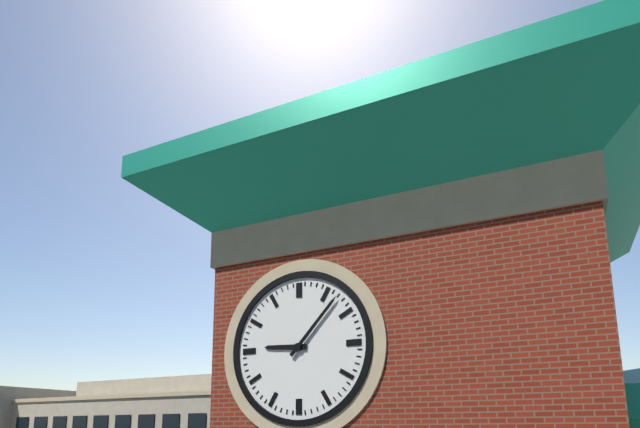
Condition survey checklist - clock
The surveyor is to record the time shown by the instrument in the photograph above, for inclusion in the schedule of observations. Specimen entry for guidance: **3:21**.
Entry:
**9:07**
